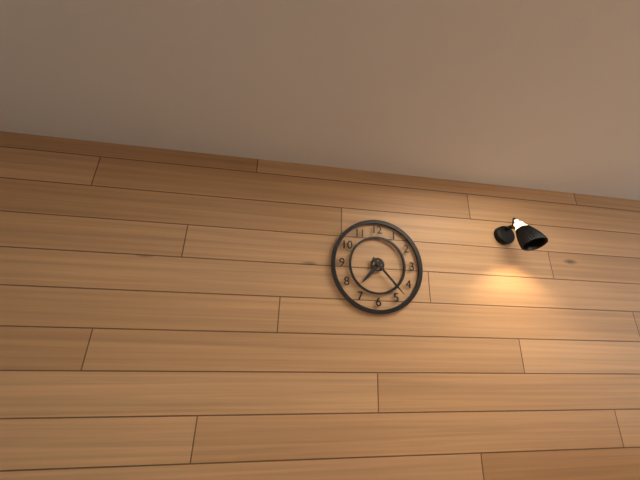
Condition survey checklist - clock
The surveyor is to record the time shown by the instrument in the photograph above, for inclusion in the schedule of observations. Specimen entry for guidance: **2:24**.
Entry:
**7:23**
